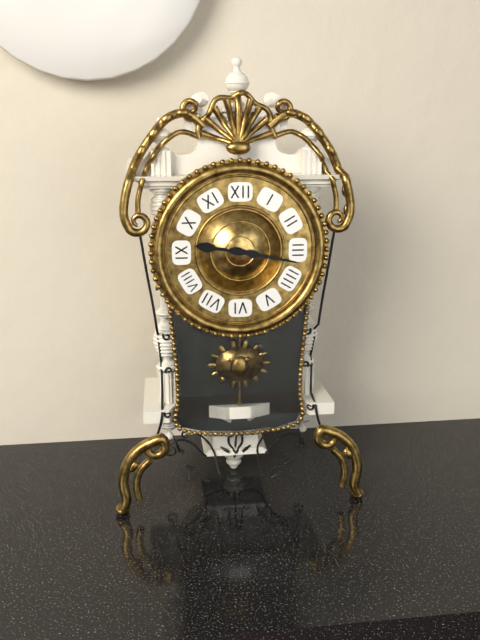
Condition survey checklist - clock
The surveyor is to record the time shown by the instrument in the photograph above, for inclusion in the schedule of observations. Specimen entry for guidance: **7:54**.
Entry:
**9:17**
